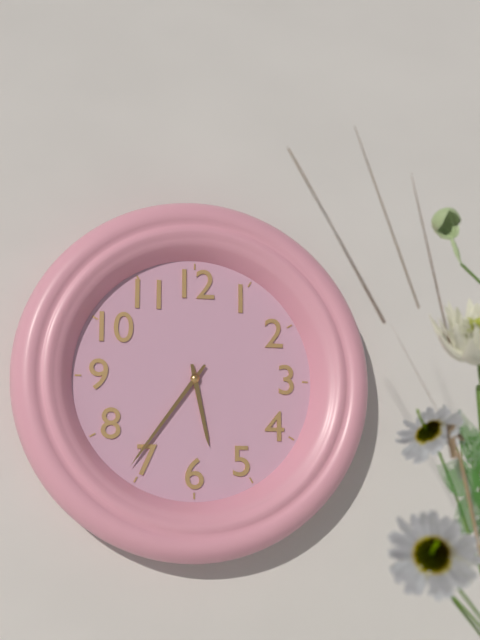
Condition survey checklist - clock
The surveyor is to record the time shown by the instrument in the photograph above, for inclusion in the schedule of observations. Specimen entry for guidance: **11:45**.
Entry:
**5:36**
